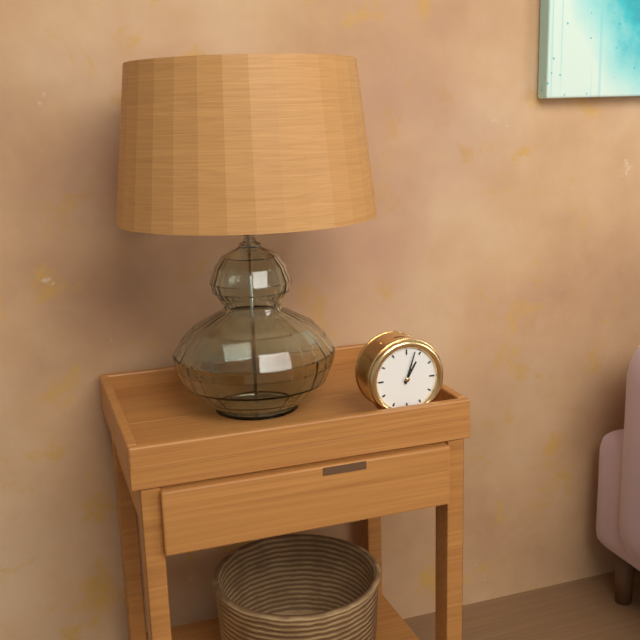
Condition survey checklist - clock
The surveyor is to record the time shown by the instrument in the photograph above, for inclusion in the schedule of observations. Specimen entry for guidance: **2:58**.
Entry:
**1:03**
